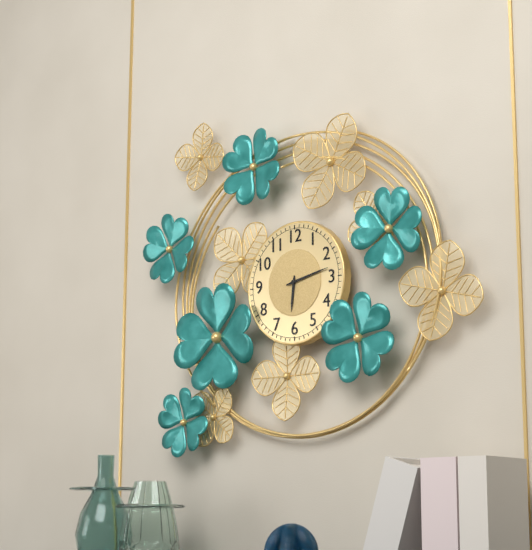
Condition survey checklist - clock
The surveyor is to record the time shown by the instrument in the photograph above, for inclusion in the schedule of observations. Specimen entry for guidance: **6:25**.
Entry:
**6:13**
